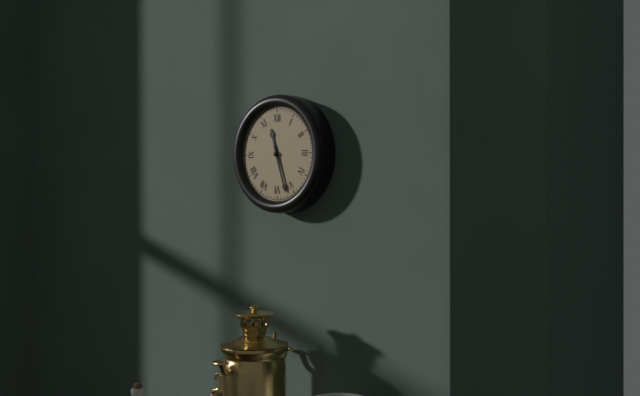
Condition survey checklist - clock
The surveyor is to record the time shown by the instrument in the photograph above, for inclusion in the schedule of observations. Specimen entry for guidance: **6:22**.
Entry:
**11:27**
